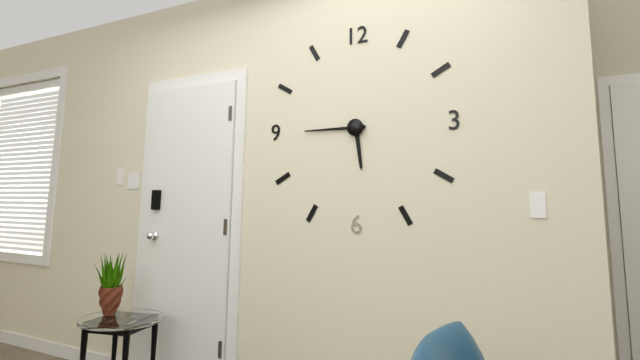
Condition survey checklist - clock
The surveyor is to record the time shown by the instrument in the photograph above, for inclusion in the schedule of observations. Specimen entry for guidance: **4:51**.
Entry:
**5:45**
